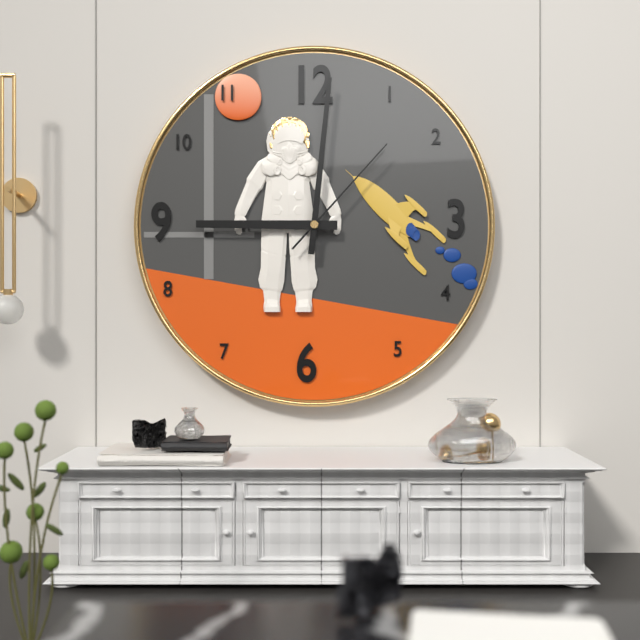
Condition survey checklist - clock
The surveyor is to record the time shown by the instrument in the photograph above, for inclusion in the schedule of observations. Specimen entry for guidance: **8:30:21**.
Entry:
**9:01:07**
